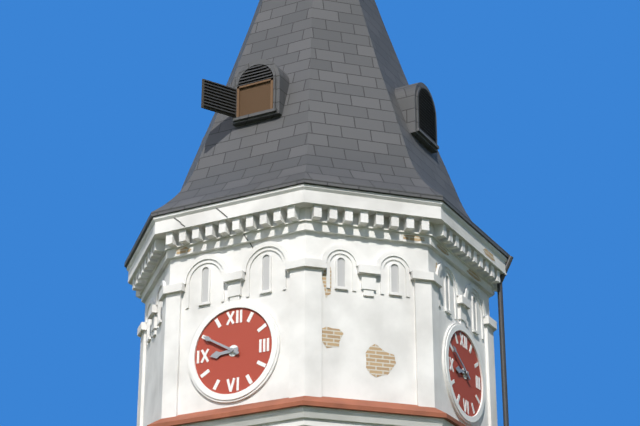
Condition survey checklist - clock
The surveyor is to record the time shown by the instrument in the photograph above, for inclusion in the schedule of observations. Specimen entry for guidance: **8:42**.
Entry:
**8:50**
